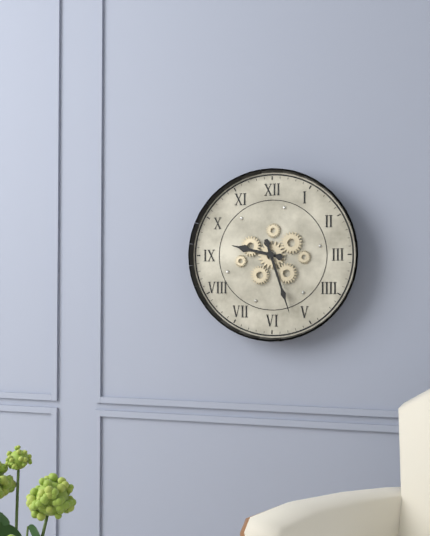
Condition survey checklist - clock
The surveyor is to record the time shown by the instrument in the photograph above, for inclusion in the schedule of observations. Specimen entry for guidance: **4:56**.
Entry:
**9:27**
